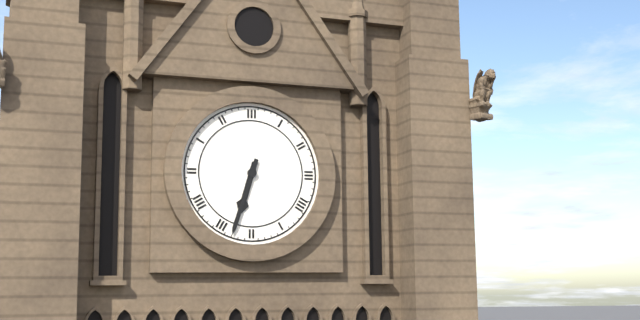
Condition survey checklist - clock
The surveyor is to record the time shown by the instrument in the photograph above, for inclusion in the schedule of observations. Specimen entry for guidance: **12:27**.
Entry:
**6:33**
